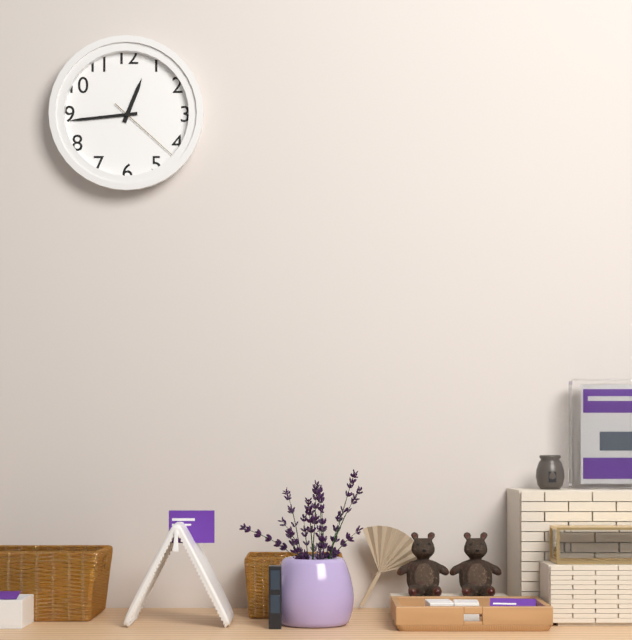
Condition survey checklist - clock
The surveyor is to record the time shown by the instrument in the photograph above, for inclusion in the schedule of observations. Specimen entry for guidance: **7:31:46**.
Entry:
**12:44:22**
